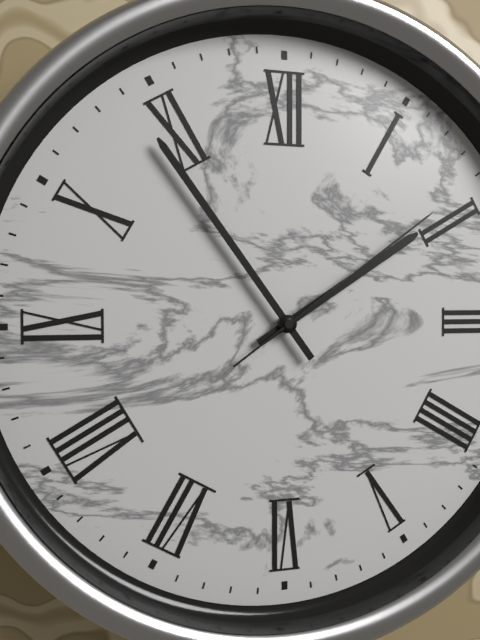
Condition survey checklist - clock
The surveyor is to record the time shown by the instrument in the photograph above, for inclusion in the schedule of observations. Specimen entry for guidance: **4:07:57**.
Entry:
**1:54:09**
